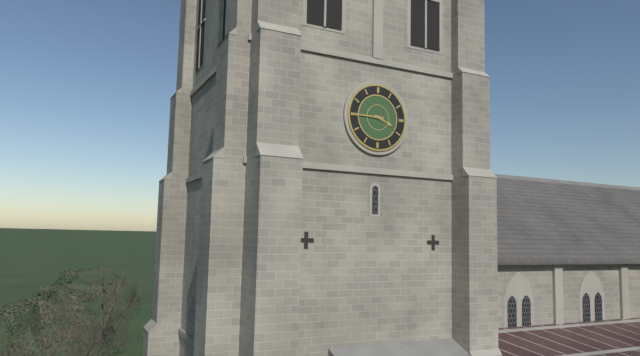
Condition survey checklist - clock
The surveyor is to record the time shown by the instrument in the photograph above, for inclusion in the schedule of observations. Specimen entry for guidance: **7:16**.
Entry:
**3:45**
